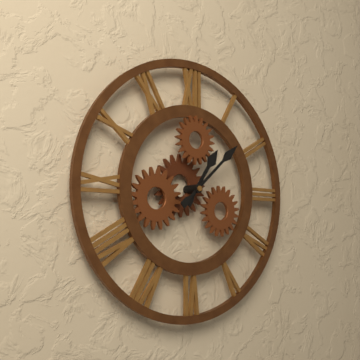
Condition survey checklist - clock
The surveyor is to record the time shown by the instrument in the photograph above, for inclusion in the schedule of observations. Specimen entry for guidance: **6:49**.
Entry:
**1:08**
